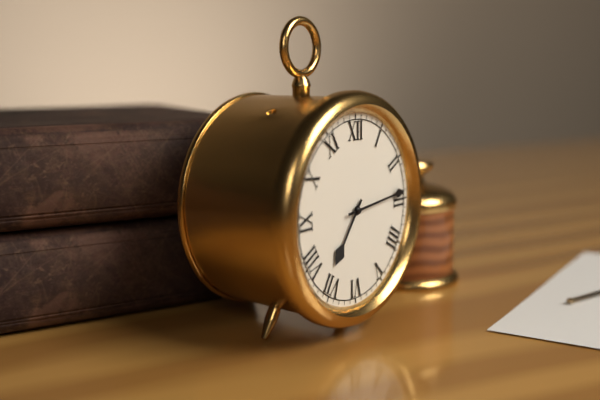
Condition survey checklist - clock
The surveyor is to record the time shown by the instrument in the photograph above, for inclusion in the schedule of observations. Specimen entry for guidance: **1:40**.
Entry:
**7:14**
